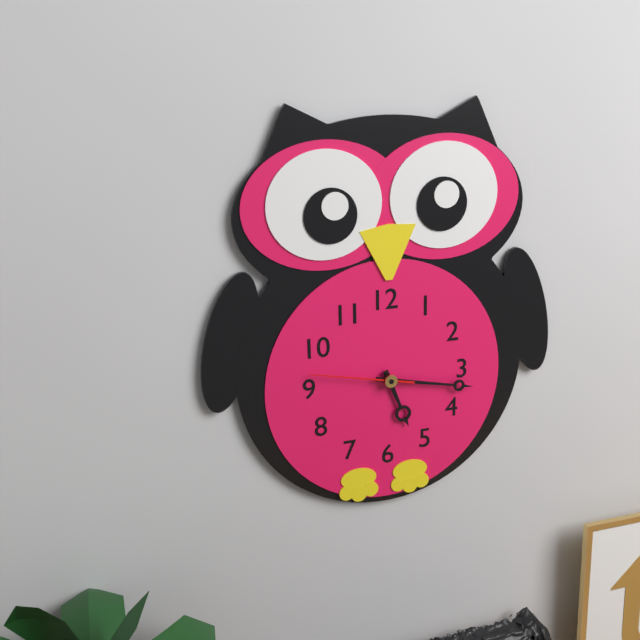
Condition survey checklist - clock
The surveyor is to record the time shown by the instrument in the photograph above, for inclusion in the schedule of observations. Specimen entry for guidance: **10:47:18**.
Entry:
**5:17:47**
